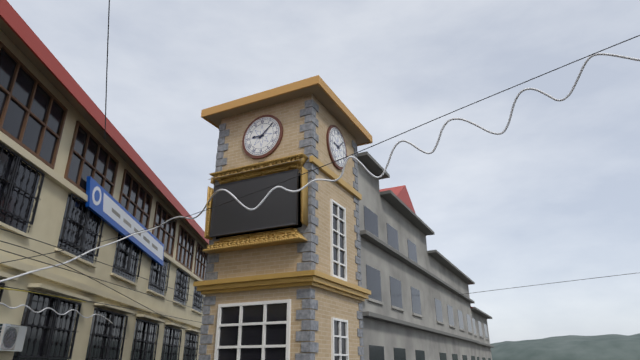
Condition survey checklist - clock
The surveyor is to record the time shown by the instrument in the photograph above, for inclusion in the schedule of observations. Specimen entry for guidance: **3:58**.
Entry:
**9:08**
